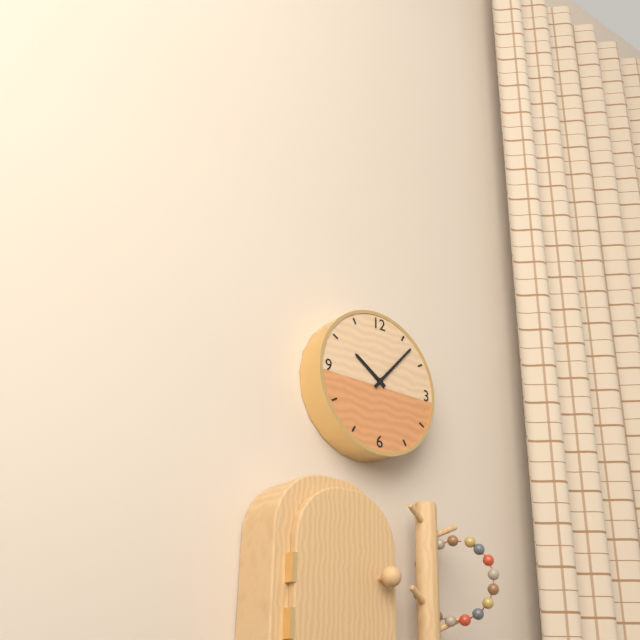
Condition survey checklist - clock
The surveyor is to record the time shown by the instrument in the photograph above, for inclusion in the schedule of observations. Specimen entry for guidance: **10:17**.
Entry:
**10:07**
